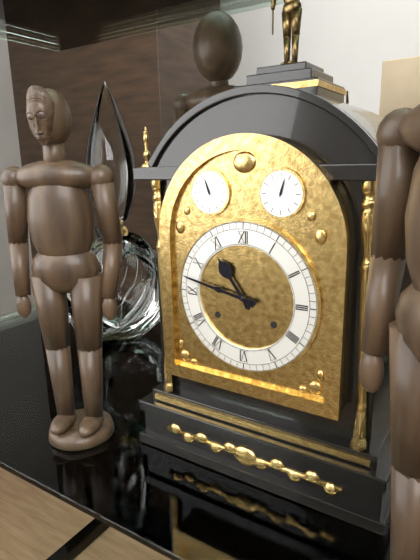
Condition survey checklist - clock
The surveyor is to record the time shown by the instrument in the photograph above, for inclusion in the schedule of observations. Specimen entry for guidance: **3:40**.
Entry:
**10:47**
